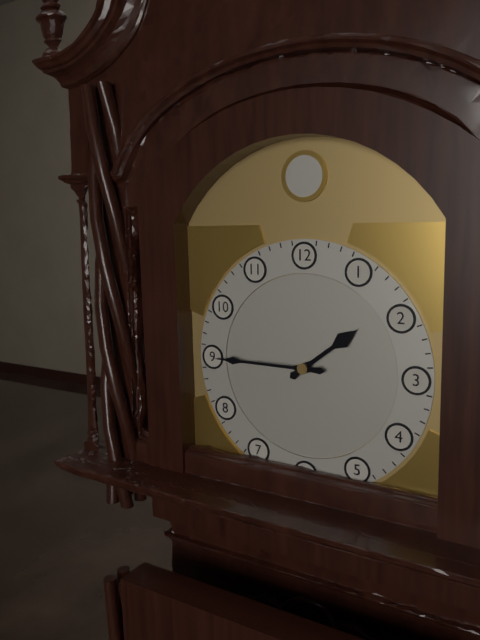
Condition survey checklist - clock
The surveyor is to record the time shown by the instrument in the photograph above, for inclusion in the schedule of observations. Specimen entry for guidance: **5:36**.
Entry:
**1:45**
